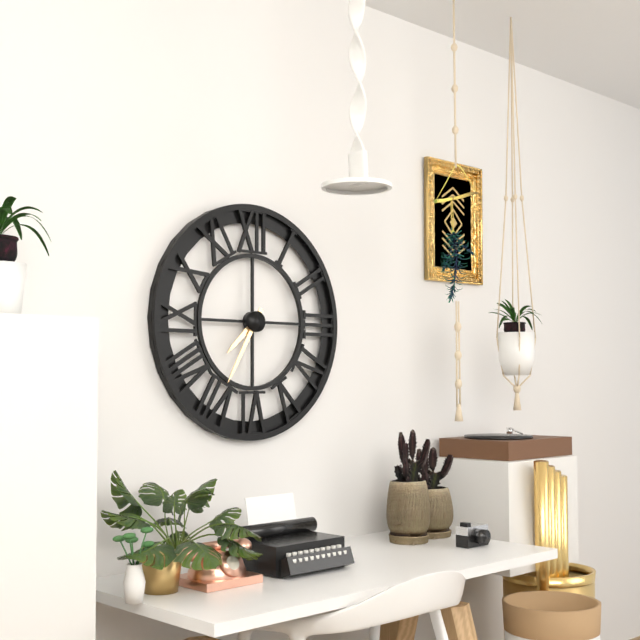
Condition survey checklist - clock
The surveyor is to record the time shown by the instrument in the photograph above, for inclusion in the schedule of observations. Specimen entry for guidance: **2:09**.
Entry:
**7:35**
